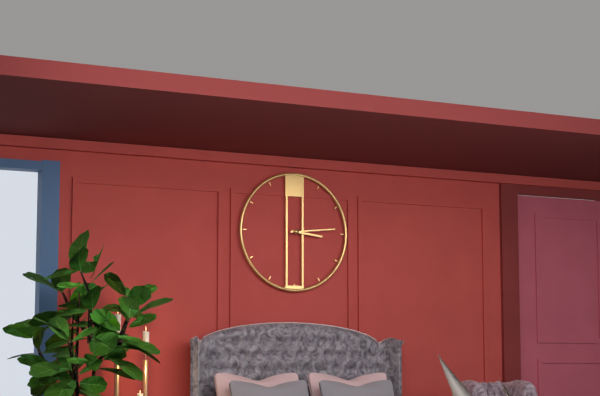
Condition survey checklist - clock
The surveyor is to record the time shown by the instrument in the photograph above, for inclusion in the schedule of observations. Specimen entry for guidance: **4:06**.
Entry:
**3:14**
